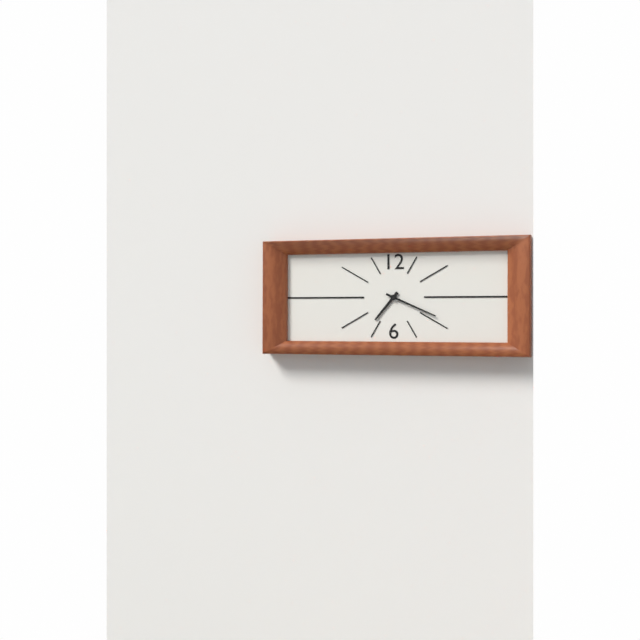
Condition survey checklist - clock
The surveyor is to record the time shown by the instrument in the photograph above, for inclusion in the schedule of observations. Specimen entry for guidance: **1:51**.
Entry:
**7:19**
